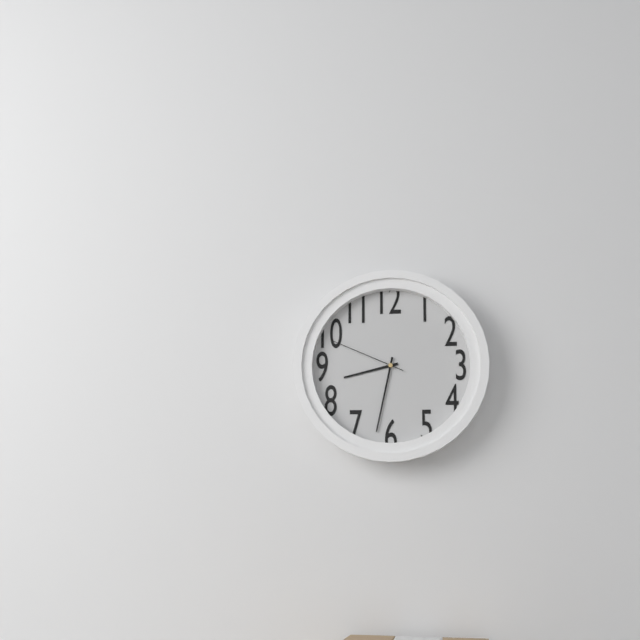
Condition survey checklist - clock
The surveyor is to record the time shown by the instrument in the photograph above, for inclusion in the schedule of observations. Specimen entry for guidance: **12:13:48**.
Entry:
**8:32:49**
